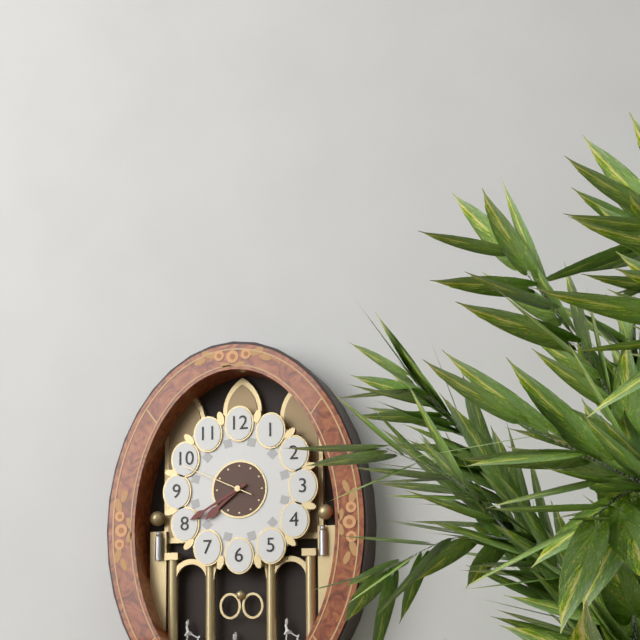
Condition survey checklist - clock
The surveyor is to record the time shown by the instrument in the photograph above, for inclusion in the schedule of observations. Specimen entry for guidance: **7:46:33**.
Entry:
**7:40:49**
